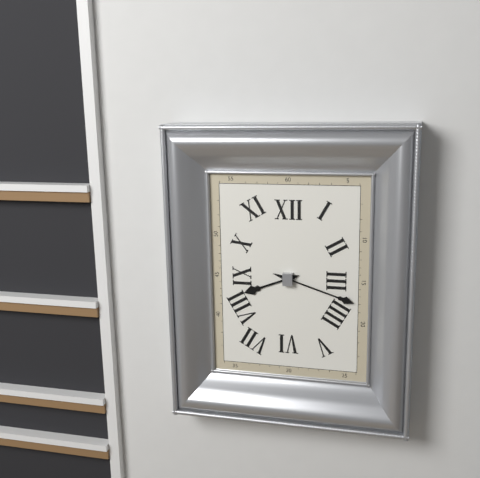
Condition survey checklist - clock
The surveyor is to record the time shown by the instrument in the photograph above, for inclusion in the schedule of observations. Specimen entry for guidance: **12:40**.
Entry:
**8:18**
